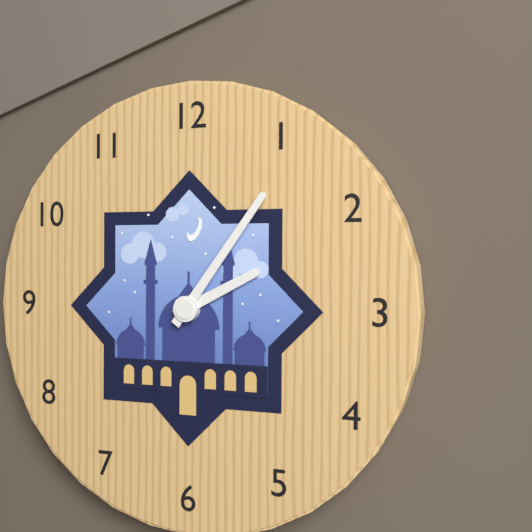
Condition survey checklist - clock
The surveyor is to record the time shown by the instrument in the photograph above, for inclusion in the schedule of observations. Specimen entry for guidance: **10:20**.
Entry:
**2:06**
